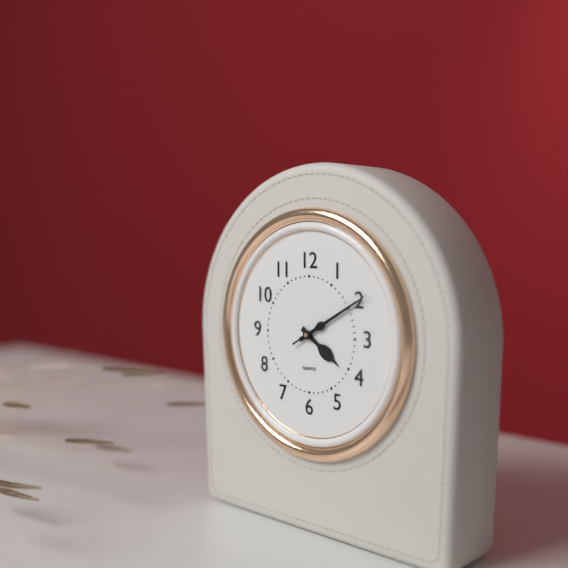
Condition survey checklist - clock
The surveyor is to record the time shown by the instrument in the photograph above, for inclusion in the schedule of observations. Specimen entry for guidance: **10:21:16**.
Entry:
**4:10:10**
